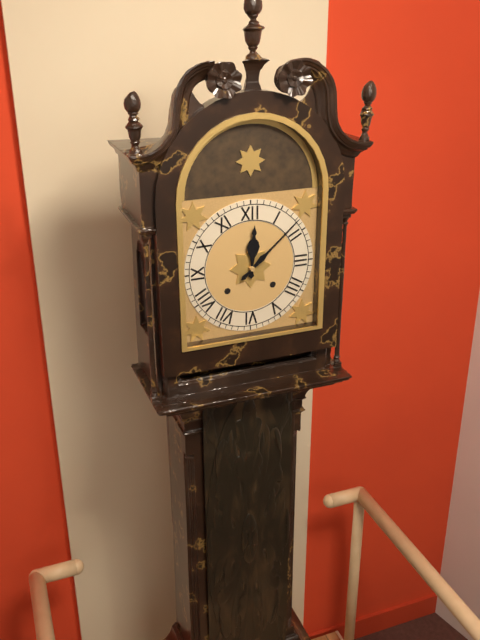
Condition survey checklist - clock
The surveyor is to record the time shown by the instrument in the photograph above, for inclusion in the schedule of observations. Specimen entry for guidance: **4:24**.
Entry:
**12:08**
